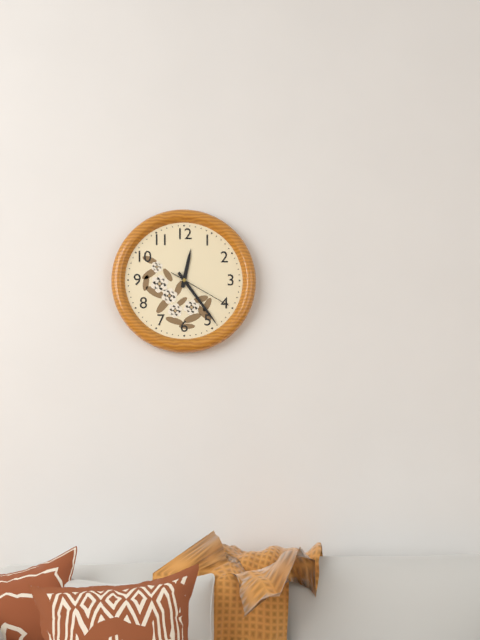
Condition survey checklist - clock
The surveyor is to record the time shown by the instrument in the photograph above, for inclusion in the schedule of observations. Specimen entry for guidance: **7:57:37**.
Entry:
**12:24:20**
